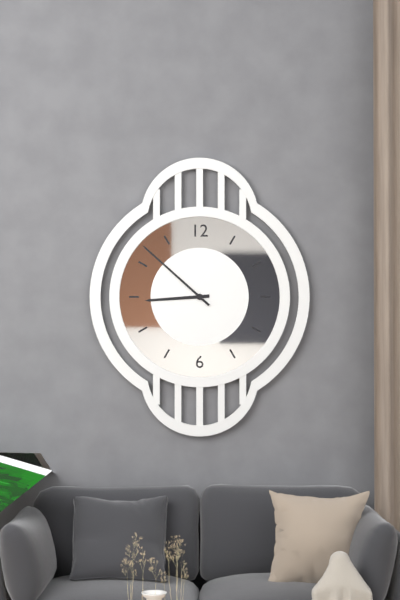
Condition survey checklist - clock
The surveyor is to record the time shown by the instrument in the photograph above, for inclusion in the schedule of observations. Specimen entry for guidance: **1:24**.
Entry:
**8:52**
